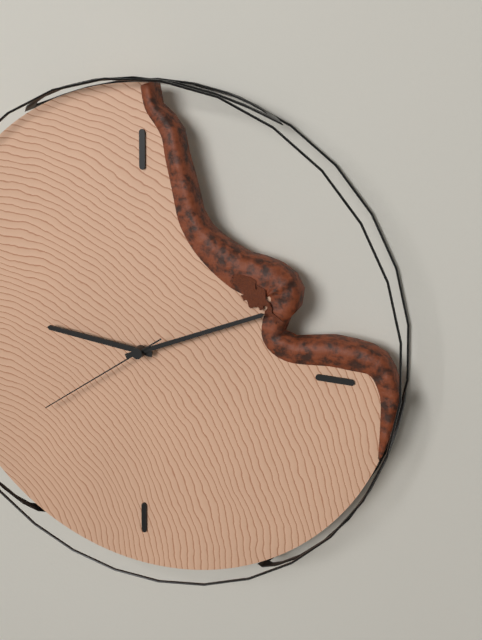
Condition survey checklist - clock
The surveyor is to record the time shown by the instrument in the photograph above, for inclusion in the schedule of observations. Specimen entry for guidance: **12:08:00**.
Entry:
**9:11:39**
